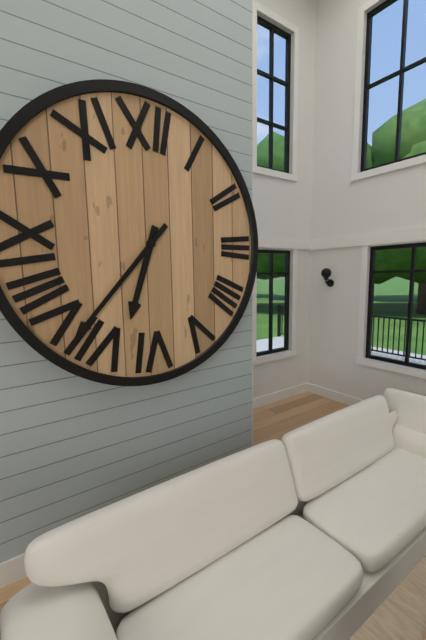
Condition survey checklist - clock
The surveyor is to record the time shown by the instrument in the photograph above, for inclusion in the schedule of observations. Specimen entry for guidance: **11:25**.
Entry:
**6:37**
